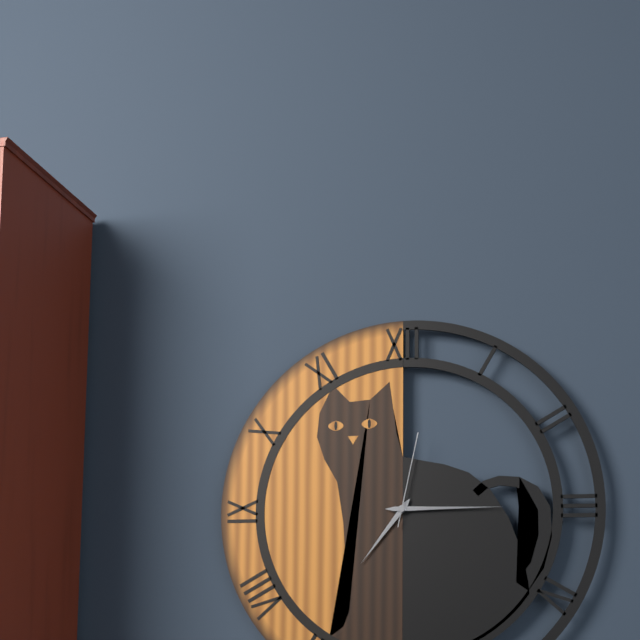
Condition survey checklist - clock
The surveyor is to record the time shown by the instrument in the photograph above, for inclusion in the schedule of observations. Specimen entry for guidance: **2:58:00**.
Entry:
**7:15:02**
